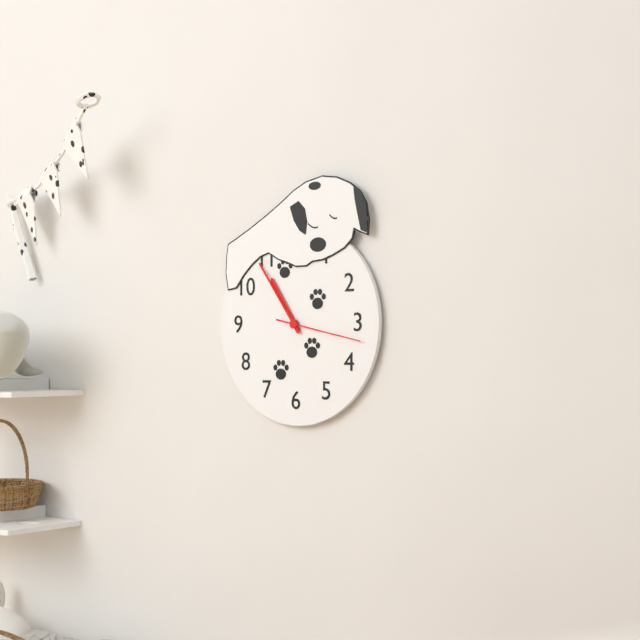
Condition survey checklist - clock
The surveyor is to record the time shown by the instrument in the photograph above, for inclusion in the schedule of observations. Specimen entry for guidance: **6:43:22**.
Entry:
**10:54:17**
